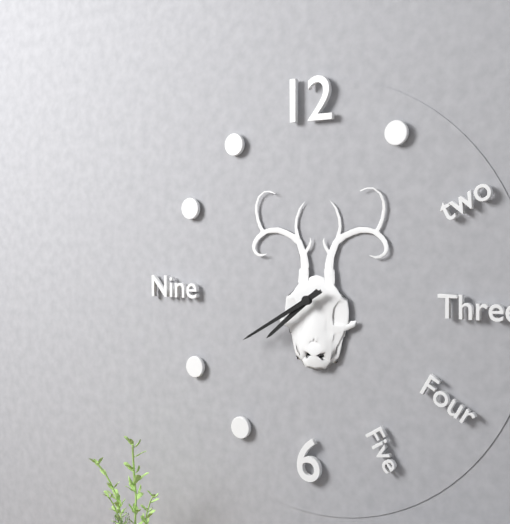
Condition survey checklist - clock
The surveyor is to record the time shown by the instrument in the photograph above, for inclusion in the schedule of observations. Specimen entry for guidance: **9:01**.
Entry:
**7:40**
